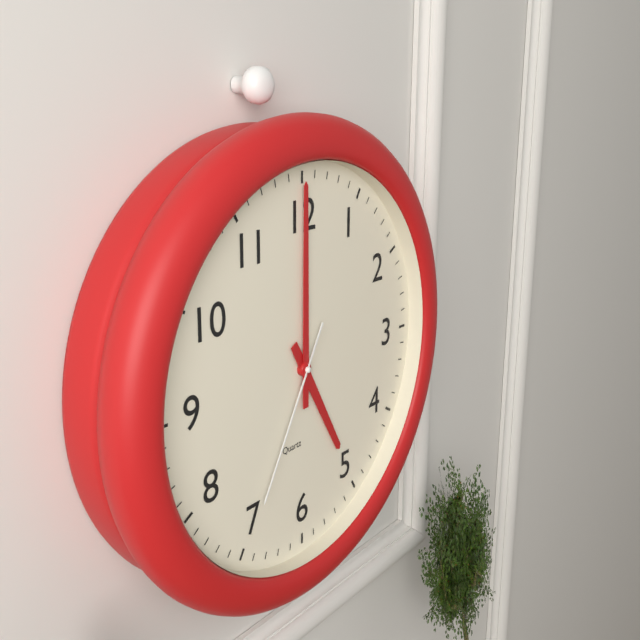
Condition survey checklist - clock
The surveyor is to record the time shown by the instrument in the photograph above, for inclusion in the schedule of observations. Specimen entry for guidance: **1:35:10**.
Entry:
**5:00:35**
